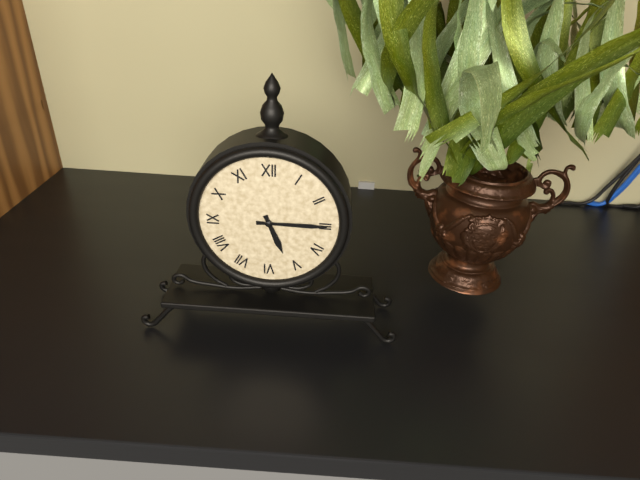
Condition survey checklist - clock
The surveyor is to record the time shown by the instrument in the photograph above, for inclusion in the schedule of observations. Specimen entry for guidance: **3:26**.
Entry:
**5:15**
